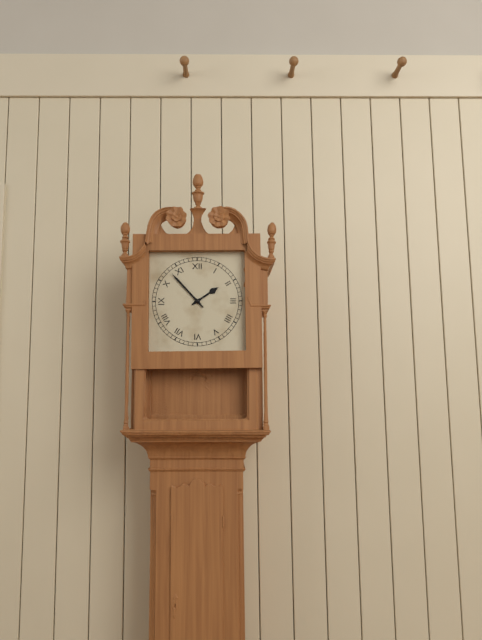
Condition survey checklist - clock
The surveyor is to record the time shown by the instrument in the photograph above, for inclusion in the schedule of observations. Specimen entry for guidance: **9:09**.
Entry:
**1:53**
